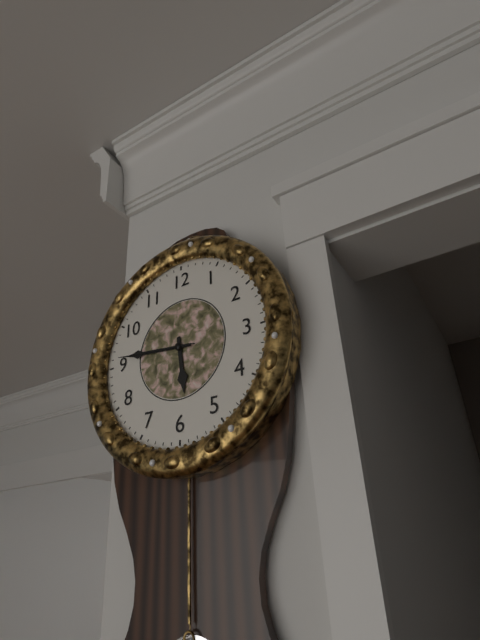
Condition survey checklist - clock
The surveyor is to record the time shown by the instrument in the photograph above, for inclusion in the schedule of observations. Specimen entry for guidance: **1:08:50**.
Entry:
**5:46:46**
